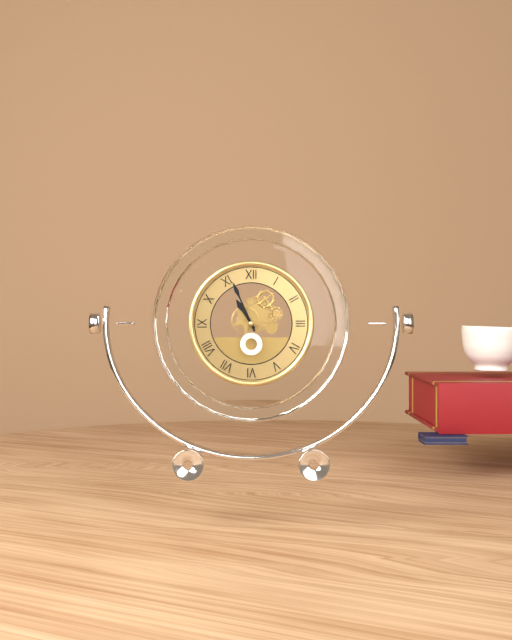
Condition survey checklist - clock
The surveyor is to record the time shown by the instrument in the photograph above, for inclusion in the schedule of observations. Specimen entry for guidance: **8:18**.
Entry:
**10:56**
